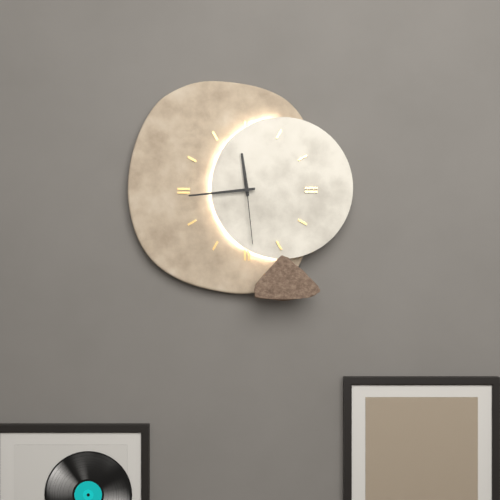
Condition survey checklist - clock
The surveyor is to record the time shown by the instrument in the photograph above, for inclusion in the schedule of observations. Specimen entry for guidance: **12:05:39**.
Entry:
**11:44:29**
